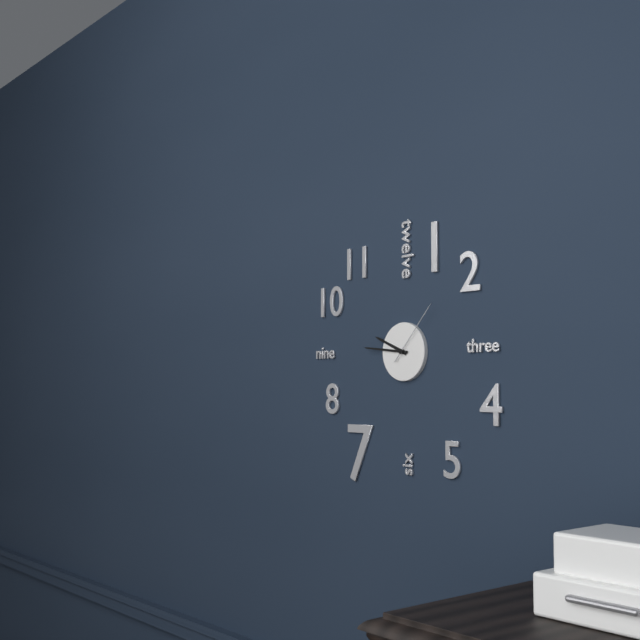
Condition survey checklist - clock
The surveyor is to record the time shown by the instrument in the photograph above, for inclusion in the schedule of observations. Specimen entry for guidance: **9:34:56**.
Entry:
**9:46:07**
